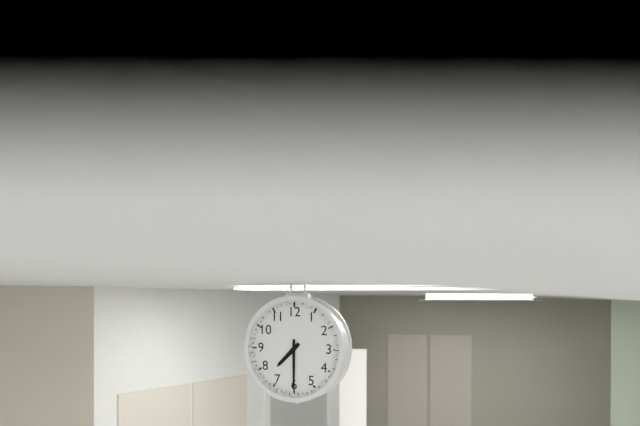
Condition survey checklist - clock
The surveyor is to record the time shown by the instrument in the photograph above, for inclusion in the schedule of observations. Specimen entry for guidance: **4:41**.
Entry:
**7:30**
